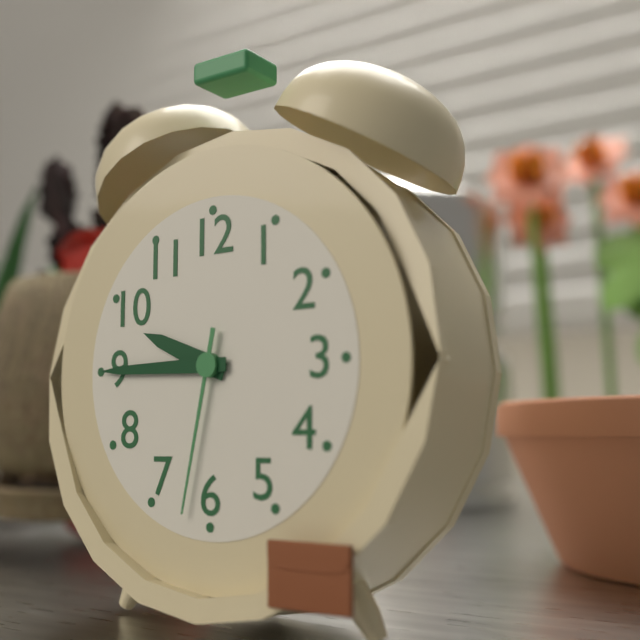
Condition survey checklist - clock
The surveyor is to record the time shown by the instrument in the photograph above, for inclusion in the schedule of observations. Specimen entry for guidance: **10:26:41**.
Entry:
**9:45:32**
